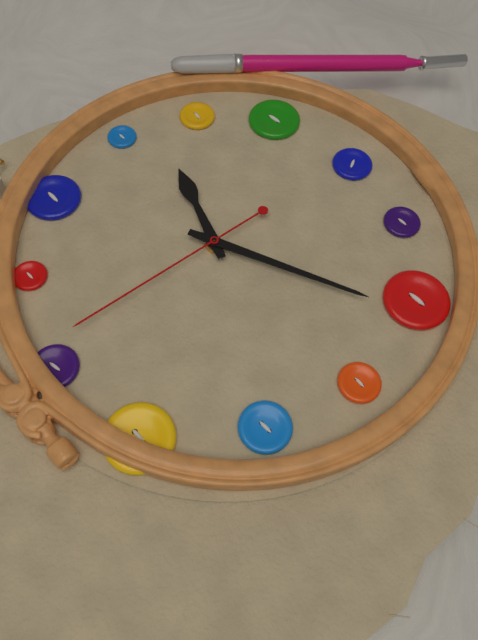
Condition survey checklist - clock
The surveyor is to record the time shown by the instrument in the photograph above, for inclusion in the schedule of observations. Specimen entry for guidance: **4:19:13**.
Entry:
**3:41:01**
